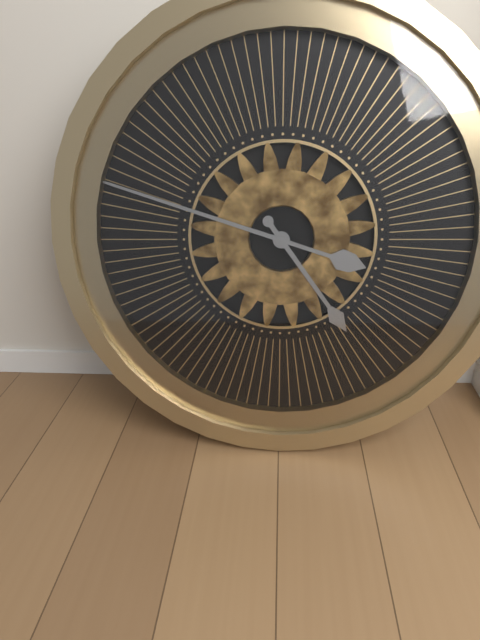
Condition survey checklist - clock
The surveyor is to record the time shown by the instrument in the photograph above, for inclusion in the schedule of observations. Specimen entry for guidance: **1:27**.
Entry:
**4:48**
